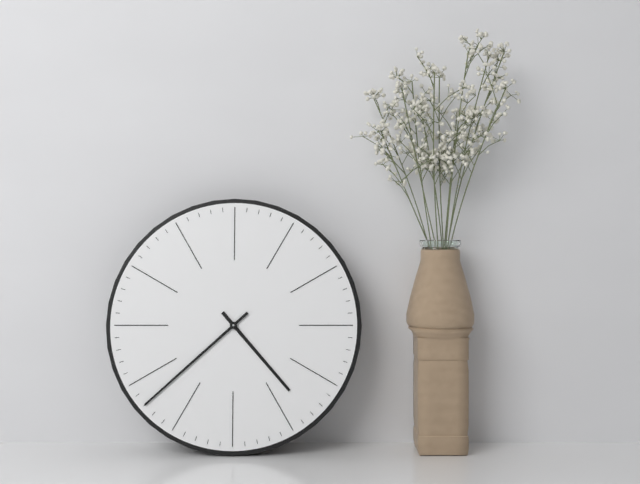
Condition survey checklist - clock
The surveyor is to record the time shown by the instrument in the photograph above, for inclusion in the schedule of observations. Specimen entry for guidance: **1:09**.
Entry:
**4:38**
